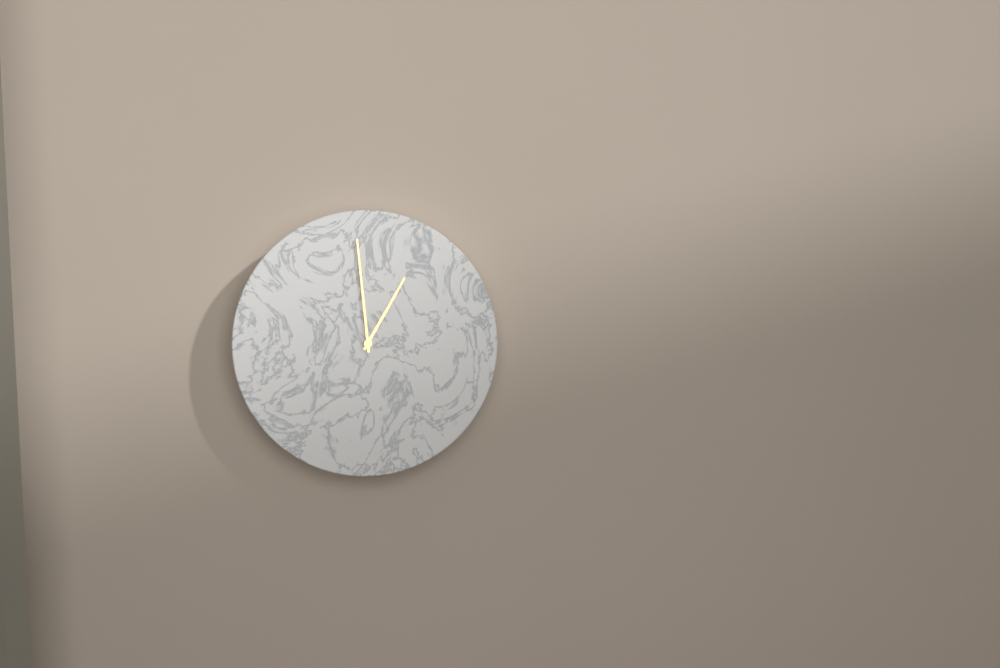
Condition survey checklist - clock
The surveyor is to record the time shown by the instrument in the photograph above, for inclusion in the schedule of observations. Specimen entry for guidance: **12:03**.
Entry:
**12:59**
